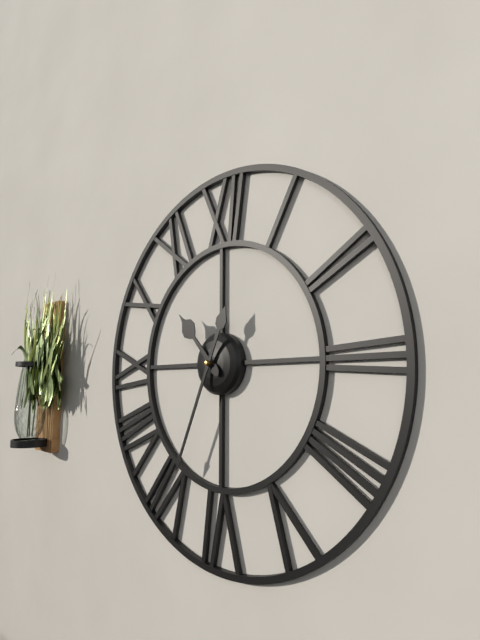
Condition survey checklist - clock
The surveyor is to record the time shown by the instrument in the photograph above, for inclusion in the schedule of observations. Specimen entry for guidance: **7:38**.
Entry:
**10:34**
